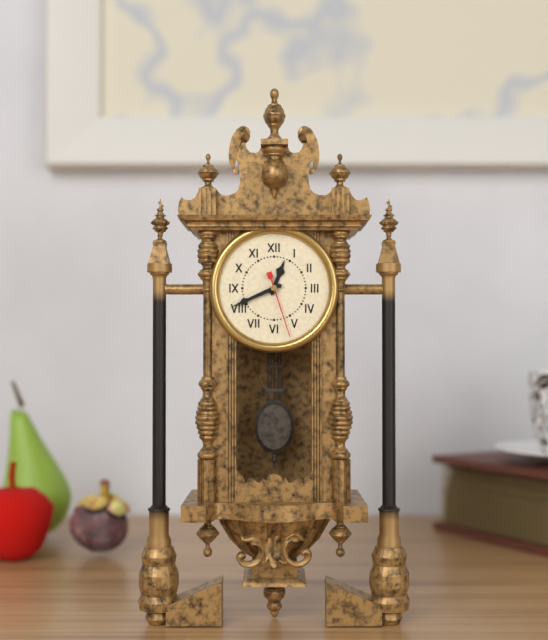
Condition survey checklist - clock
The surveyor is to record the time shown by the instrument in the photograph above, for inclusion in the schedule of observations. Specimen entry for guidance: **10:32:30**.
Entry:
**12:41:27**
